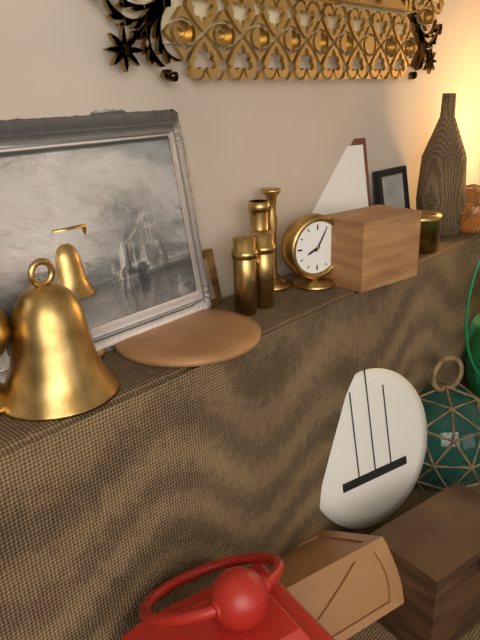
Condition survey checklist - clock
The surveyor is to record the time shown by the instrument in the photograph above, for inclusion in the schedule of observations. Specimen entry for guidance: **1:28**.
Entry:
**8:05**
